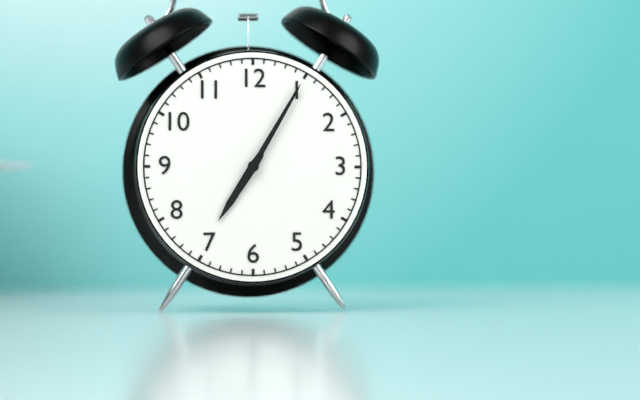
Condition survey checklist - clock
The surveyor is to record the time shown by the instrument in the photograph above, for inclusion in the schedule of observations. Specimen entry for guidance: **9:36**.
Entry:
**7:05**
